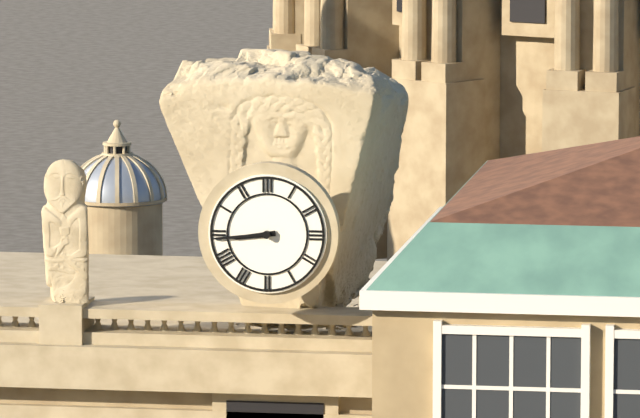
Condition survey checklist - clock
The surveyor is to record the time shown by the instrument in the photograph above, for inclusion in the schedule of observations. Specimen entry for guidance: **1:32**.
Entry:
**8:44**
